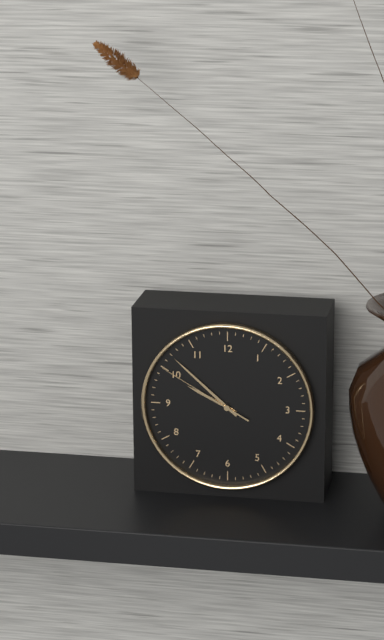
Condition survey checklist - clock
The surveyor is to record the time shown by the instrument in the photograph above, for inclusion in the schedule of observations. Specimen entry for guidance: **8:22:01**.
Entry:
**9:52:50**
